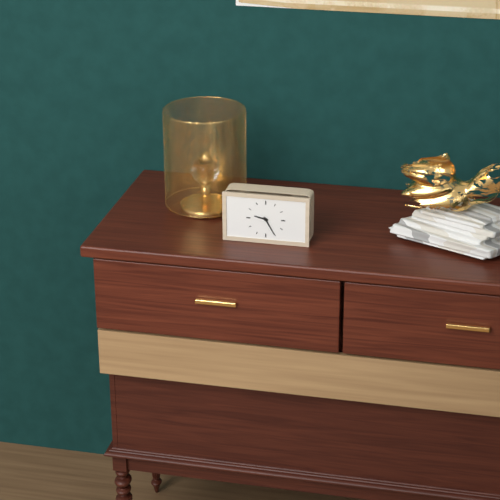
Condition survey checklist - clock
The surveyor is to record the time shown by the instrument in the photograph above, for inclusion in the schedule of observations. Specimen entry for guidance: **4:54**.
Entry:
**9:25**
